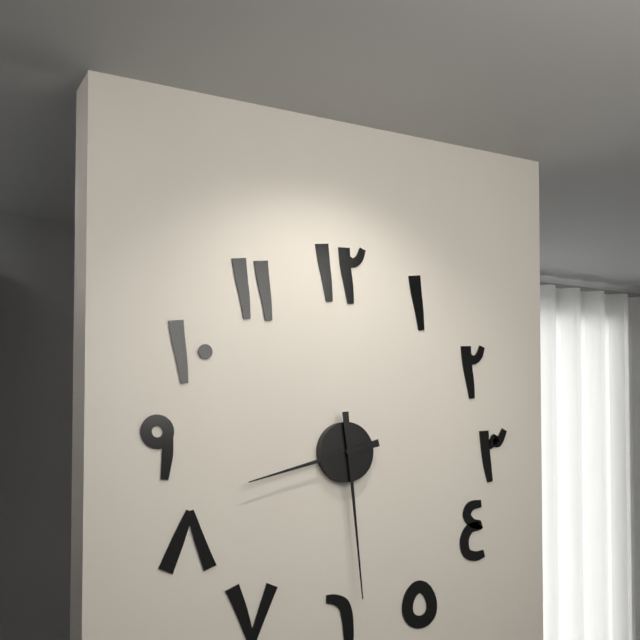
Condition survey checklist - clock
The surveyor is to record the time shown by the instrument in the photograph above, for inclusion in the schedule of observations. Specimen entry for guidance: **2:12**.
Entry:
**8:29**
